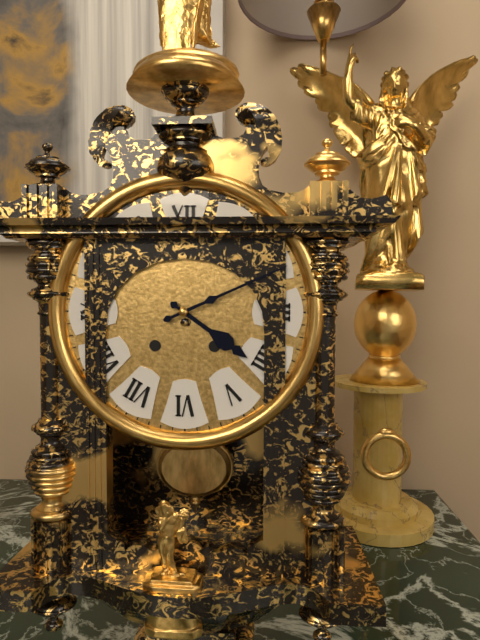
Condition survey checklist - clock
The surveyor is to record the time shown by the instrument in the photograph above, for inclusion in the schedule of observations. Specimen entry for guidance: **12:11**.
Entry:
**4:11**
